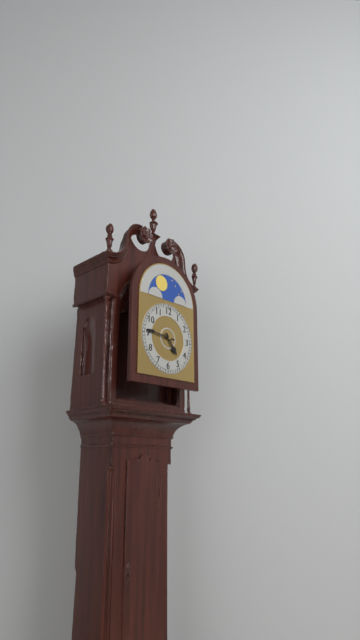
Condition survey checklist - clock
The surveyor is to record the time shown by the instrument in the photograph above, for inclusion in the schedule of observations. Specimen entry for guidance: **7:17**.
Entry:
**4:46**
